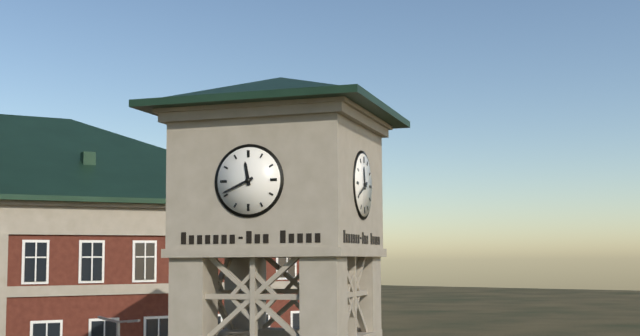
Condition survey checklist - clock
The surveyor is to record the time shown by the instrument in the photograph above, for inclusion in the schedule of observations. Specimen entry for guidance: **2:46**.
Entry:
**11:41**
